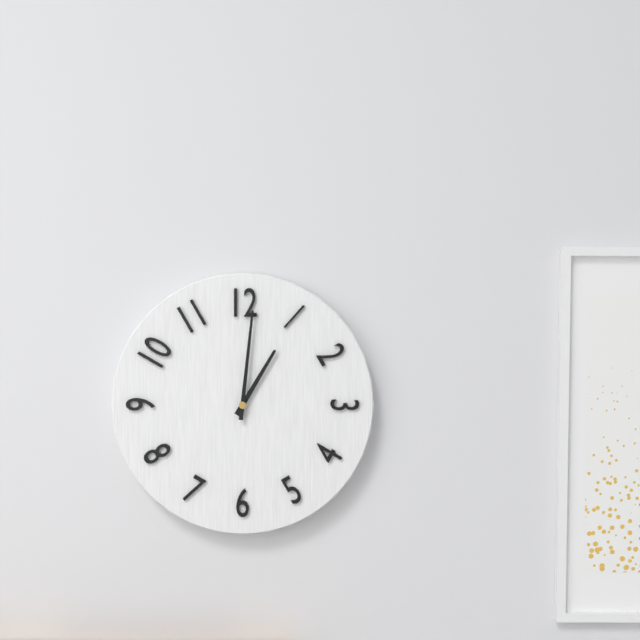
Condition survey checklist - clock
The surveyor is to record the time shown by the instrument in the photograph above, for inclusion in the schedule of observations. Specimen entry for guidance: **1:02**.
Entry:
**1:01**
